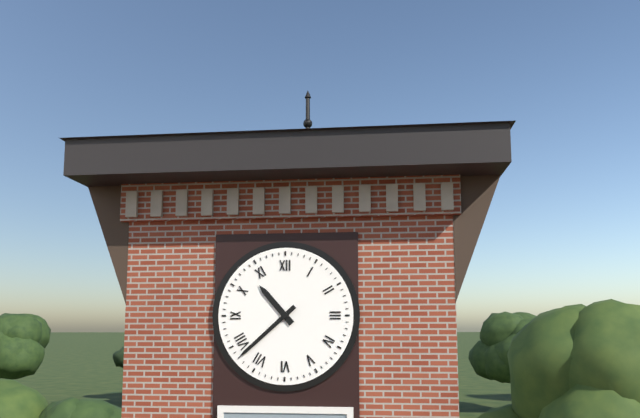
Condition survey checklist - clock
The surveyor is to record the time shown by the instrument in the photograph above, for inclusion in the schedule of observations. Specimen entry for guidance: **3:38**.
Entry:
**10:38**
